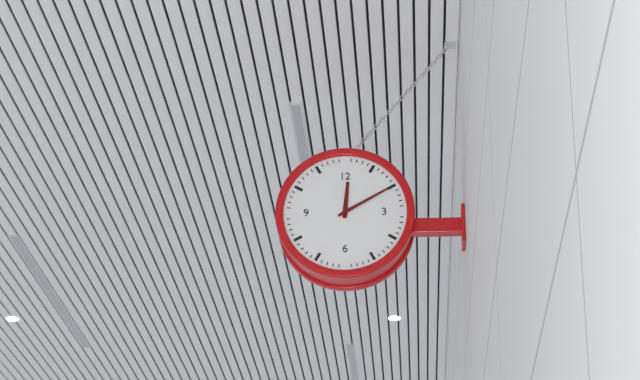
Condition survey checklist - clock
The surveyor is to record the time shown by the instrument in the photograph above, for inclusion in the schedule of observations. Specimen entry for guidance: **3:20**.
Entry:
**12:10**
